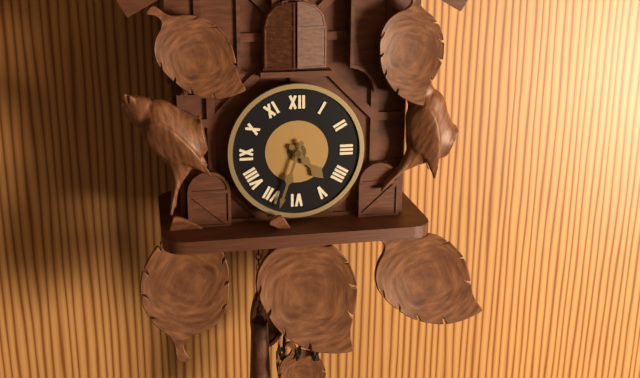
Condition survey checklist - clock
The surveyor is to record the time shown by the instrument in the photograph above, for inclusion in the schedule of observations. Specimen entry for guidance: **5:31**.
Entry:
**4:33**
